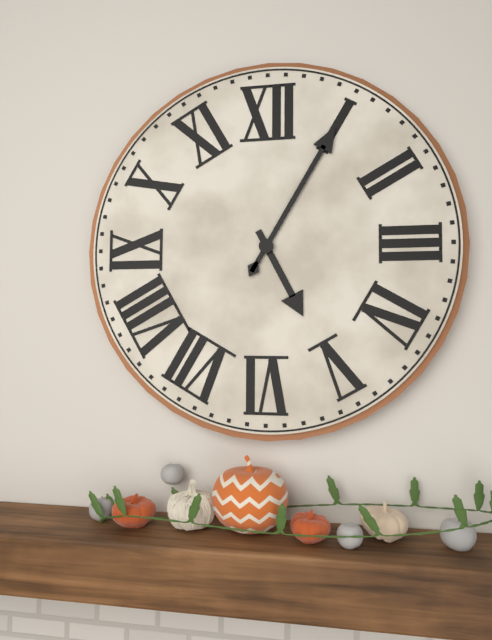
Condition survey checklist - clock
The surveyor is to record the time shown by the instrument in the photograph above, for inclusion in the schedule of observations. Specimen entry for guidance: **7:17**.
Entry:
**5:05**
